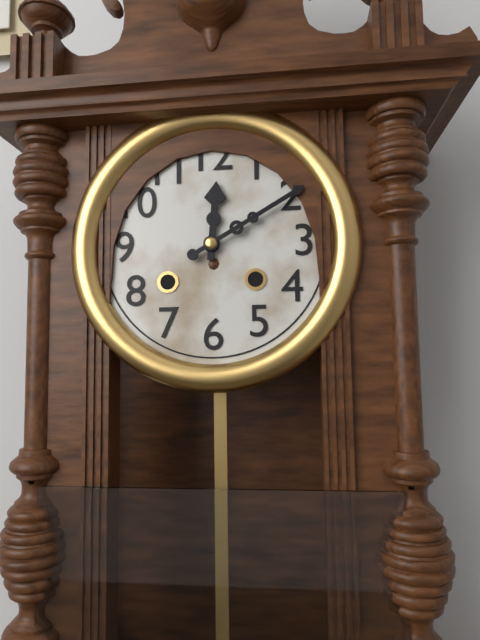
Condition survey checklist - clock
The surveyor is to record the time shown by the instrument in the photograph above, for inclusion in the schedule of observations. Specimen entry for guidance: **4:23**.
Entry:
**12:10**
